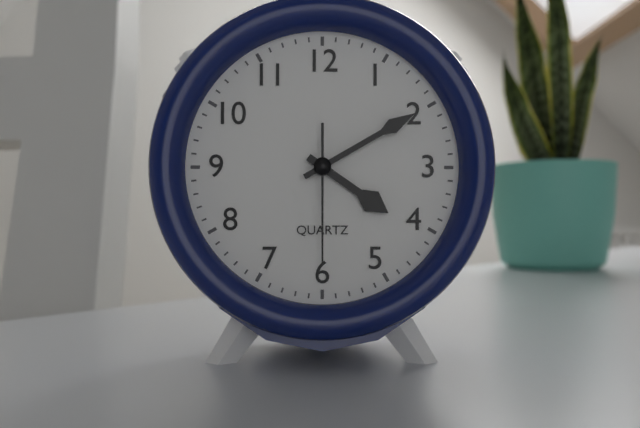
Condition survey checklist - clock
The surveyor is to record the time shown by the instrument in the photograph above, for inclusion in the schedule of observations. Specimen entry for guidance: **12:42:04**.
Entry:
**4:10:30**
